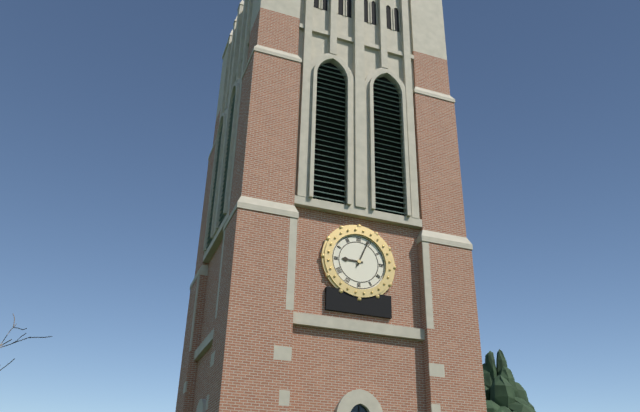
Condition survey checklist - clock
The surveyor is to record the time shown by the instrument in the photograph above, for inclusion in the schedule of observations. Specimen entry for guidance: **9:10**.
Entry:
**9:04**
